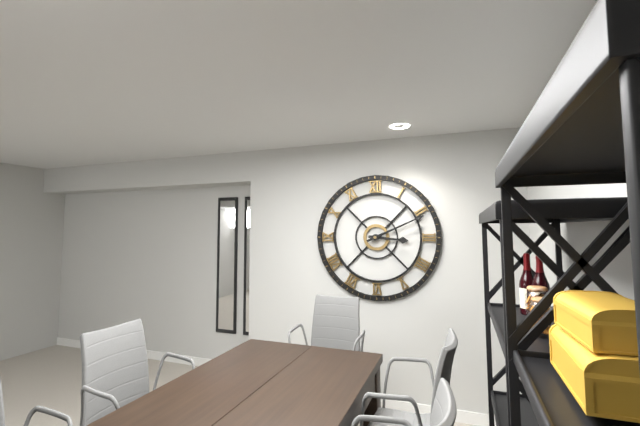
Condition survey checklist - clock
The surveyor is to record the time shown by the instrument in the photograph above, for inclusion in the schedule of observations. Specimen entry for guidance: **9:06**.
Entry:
**3:11**
